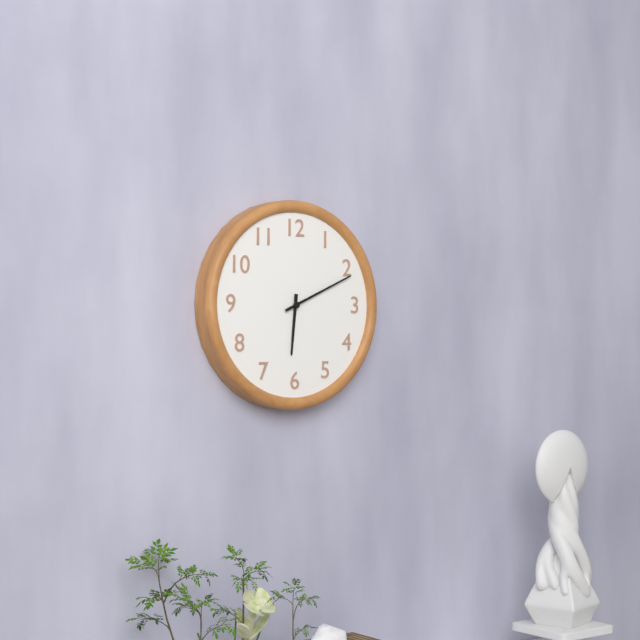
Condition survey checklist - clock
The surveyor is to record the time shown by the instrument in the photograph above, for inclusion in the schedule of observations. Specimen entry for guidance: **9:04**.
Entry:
**6:11**
